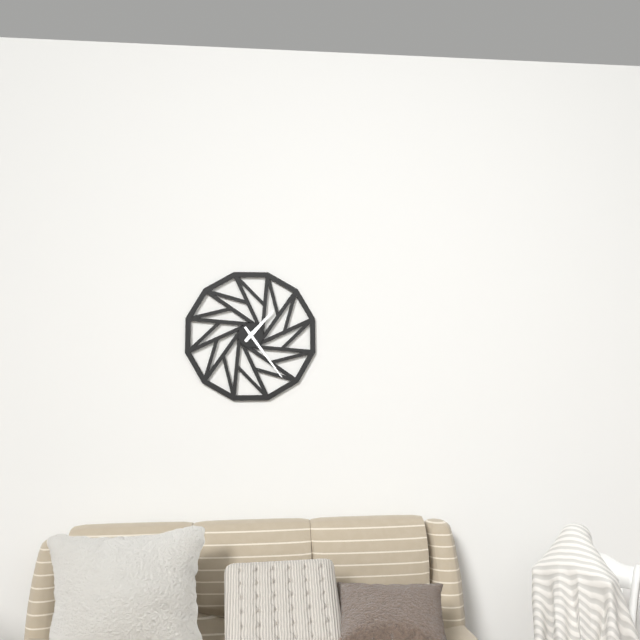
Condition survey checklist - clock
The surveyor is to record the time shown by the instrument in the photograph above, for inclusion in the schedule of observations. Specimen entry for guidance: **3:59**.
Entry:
**1:24**
